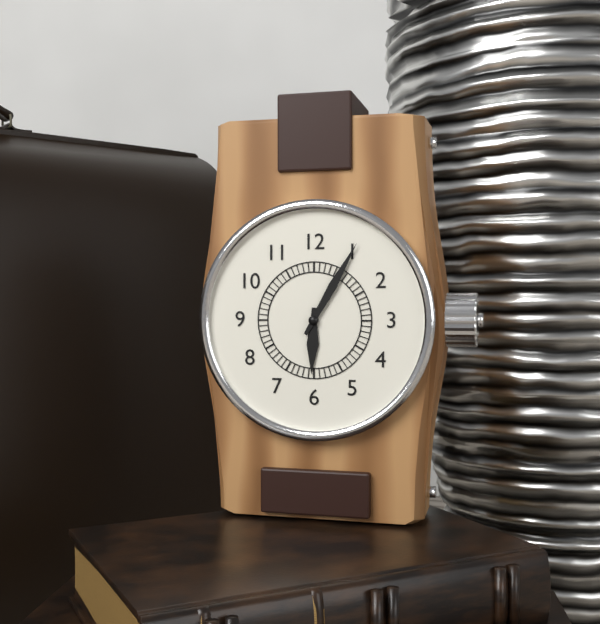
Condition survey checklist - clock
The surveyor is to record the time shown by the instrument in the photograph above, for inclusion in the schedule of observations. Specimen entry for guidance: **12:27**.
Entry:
**6:05**
